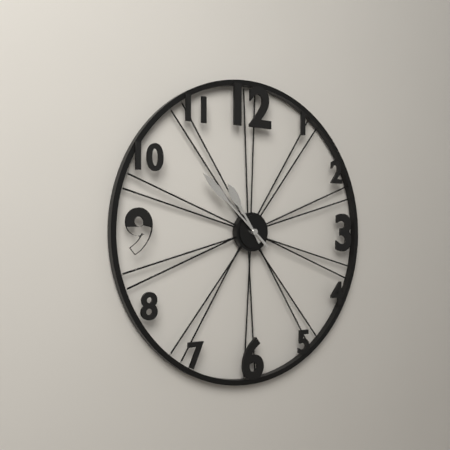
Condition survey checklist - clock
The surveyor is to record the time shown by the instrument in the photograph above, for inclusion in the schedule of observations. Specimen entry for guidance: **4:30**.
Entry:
**10:52**
